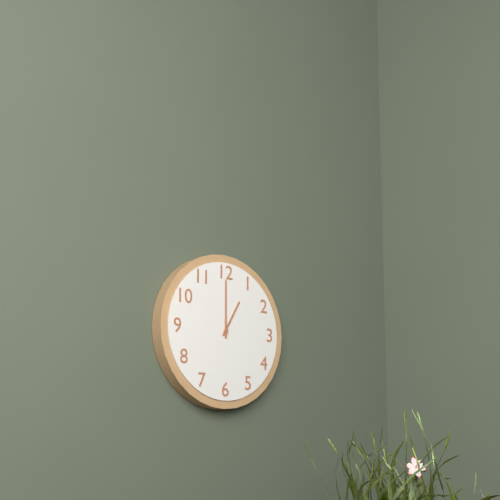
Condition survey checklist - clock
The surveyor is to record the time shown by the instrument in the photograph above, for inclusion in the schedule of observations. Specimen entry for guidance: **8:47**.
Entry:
**1:00**
